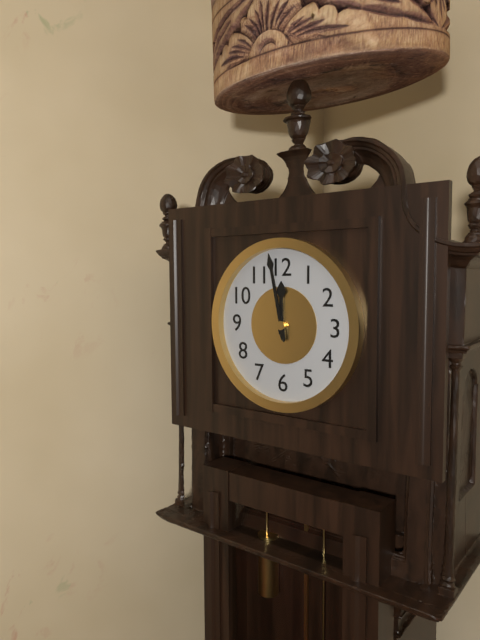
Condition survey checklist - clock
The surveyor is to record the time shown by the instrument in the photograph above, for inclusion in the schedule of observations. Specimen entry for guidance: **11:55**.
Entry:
**11:58**
